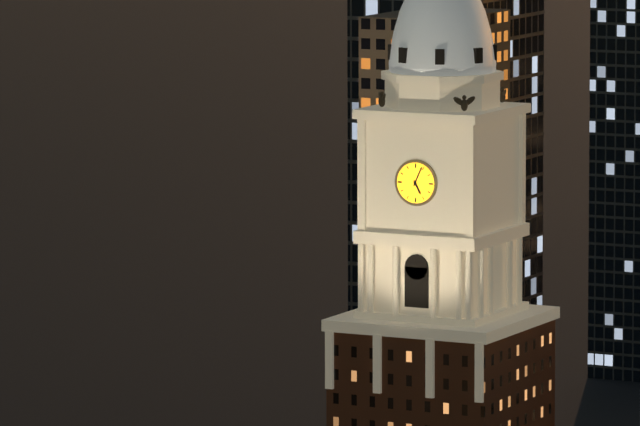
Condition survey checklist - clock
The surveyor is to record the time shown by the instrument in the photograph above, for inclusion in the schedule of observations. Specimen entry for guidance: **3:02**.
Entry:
**5:04**
